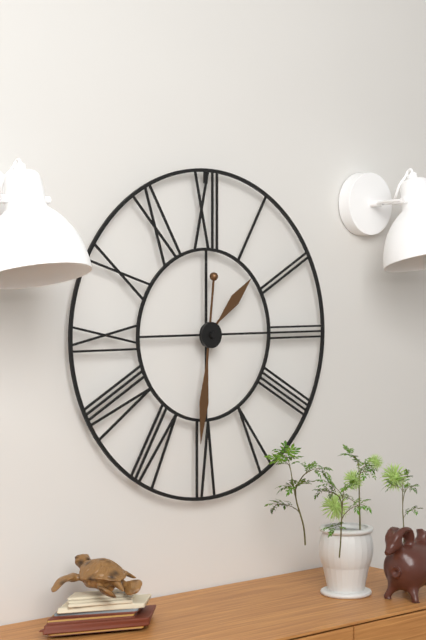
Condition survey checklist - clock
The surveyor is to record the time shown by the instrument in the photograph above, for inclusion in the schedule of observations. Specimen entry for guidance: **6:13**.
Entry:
**1:31**
